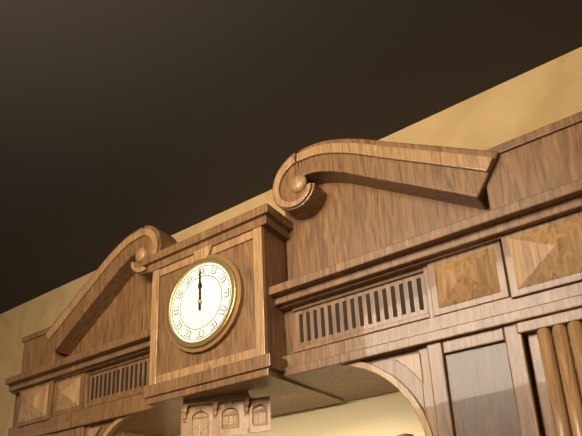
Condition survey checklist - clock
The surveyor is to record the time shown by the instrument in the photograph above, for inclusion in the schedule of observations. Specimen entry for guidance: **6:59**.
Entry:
**12:00**
